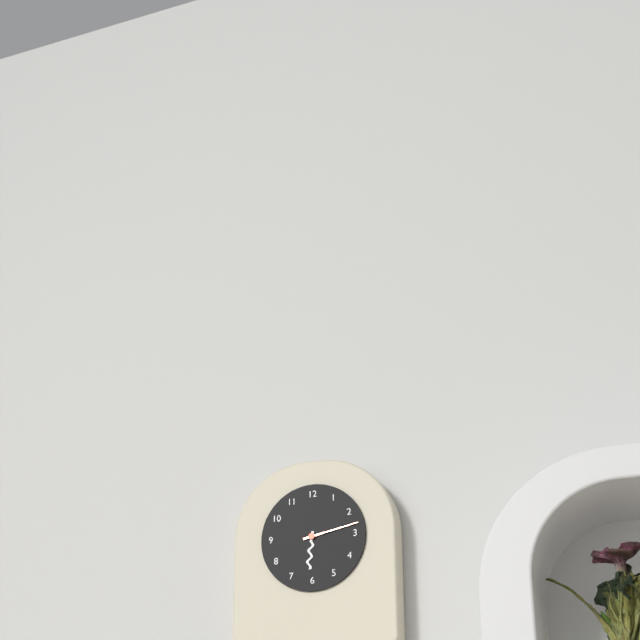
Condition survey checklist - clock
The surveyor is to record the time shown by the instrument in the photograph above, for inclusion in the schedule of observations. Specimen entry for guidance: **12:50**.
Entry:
**6:13**
